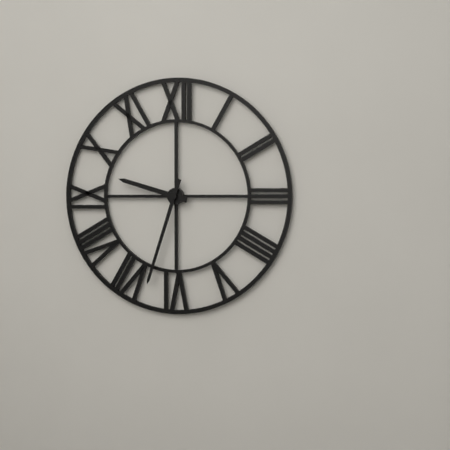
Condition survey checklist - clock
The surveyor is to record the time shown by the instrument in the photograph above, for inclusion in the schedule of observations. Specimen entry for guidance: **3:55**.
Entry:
**9:33**
